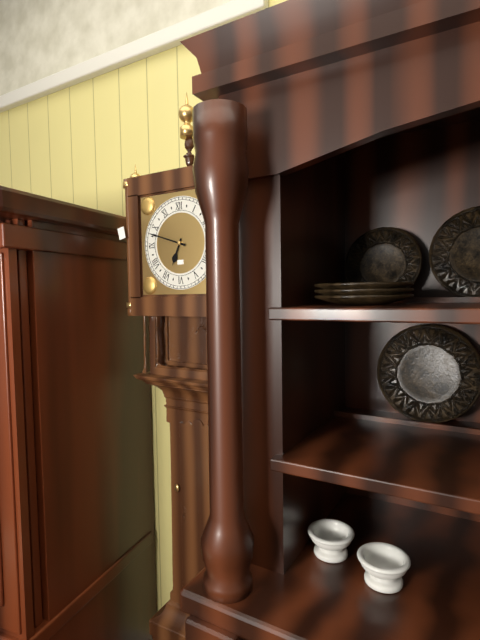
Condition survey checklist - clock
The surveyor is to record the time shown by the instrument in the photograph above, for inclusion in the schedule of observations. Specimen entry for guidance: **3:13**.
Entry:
**6:48**
